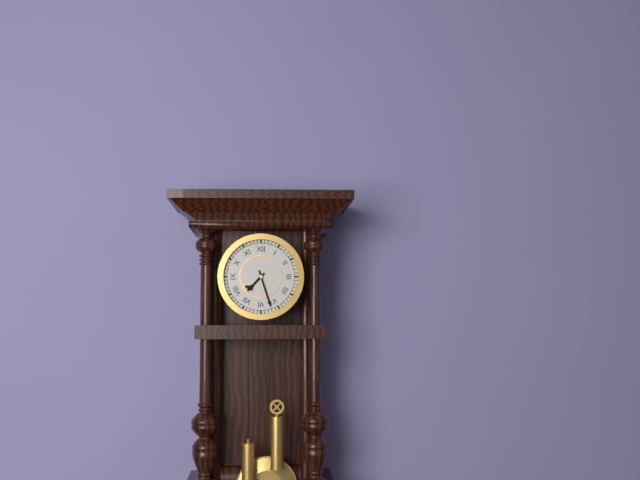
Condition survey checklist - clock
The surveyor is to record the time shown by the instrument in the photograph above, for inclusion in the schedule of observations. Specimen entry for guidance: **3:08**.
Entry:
**7:27**
